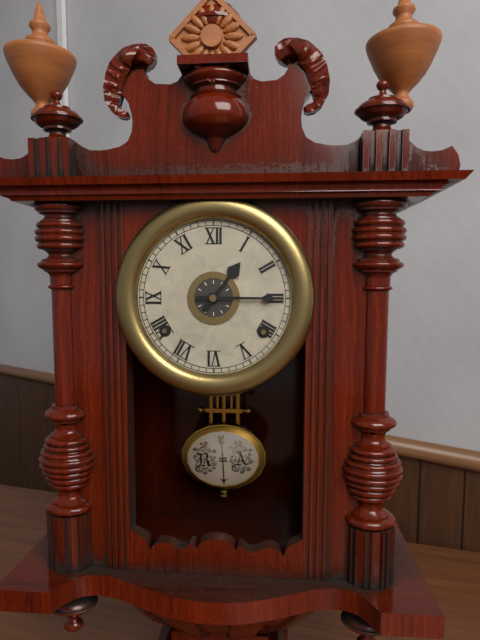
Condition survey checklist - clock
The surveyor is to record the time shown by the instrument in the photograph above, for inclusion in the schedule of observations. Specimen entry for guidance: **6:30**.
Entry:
**1:15**
